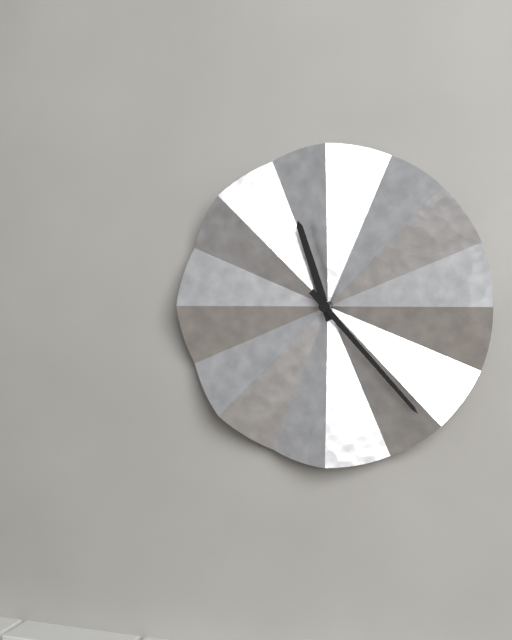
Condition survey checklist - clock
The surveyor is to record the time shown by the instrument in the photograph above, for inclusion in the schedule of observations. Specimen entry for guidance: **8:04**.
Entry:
**11:23**
